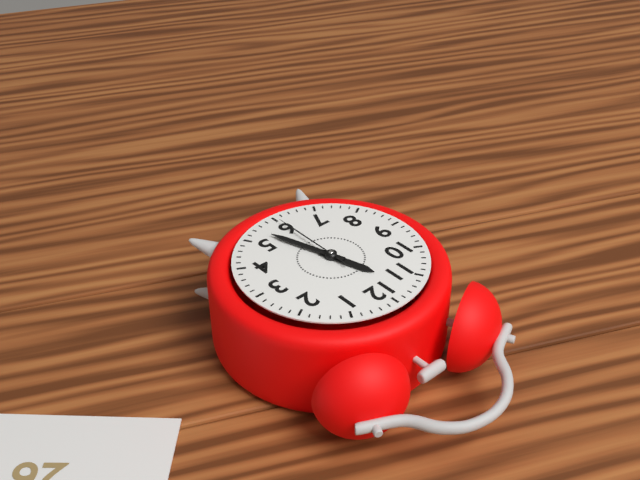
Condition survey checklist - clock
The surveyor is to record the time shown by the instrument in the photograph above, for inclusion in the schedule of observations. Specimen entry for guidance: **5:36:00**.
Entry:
**11:27:30**
